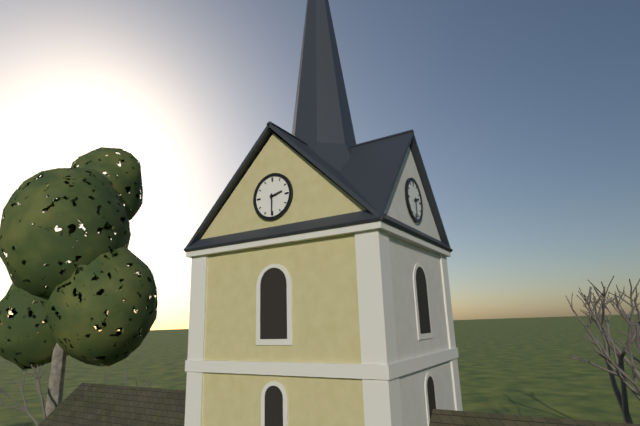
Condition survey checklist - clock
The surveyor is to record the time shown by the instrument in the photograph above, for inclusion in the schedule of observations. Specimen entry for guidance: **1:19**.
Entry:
**2:30**
